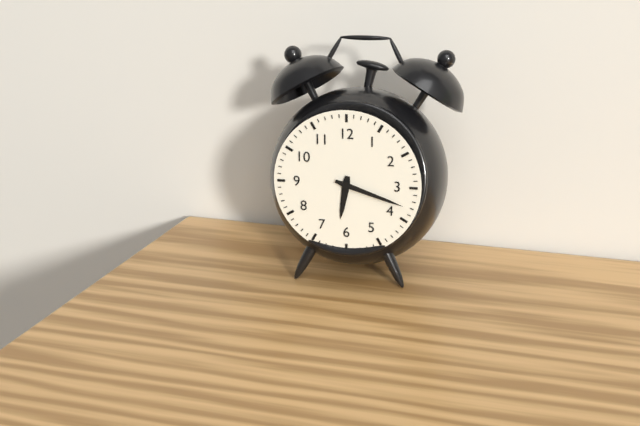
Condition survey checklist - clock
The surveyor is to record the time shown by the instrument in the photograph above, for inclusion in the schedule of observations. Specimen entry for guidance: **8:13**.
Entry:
**6:18**
